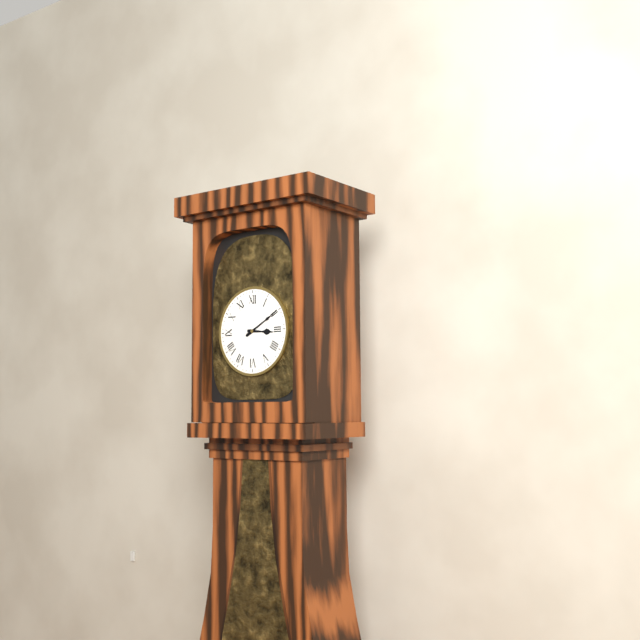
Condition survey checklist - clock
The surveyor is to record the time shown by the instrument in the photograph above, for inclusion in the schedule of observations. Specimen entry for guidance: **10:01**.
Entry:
**3:10**
